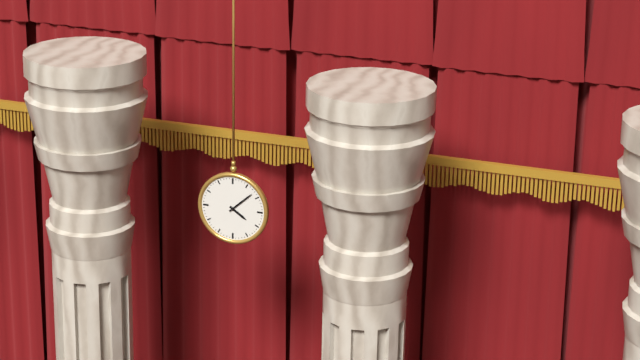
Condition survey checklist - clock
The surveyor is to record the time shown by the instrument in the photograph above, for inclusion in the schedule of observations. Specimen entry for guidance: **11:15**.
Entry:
**4:08**
